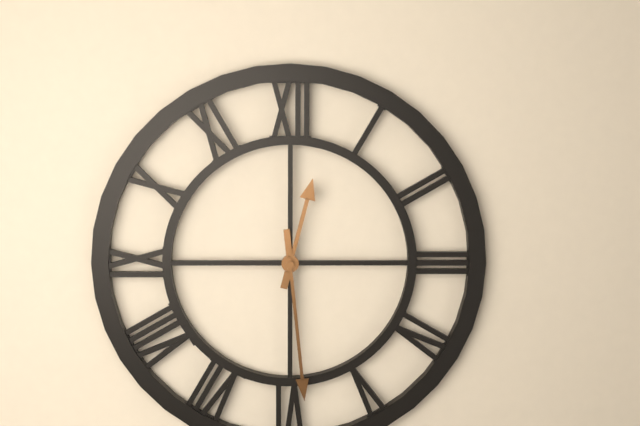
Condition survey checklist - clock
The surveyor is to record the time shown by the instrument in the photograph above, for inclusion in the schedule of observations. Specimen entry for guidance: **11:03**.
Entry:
**12:29**
